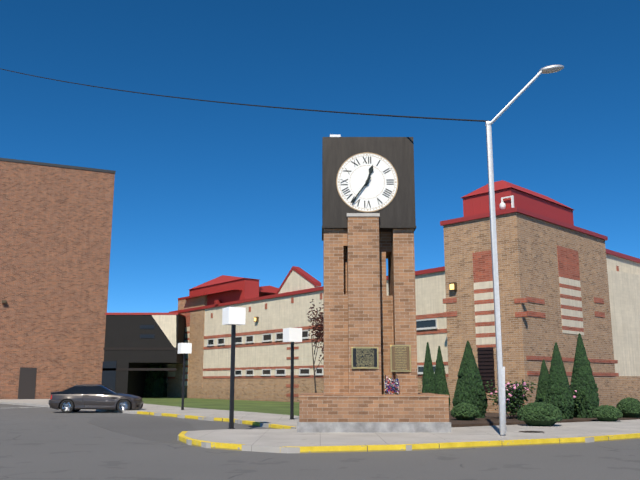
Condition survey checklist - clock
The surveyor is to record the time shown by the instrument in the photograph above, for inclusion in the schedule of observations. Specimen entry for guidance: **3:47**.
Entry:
**12:36**
